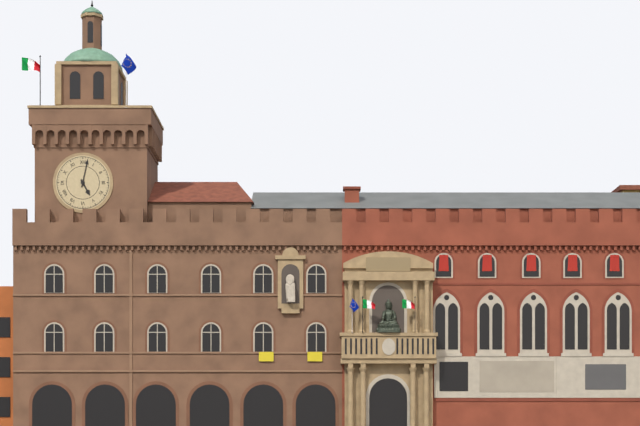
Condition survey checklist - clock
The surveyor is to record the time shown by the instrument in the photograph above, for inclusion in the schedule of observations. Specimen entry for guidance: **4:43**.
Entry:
**5:02**
